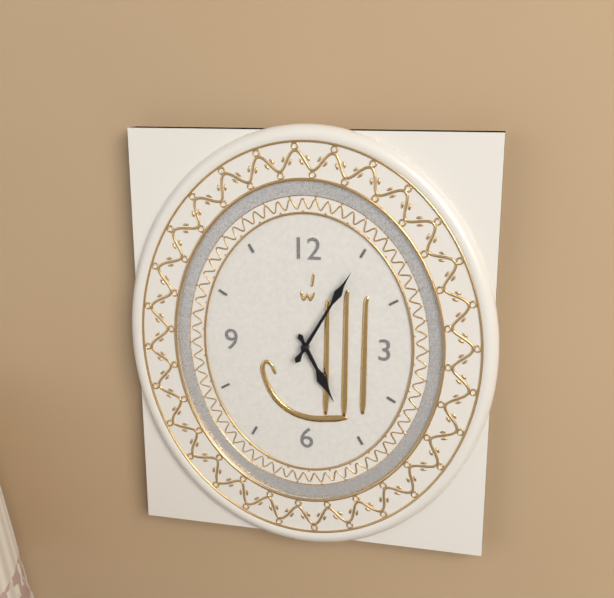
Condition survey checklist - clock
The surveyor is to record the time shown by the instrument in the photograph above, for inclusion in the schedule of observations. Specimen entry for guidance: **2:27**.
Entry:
**5:05**
